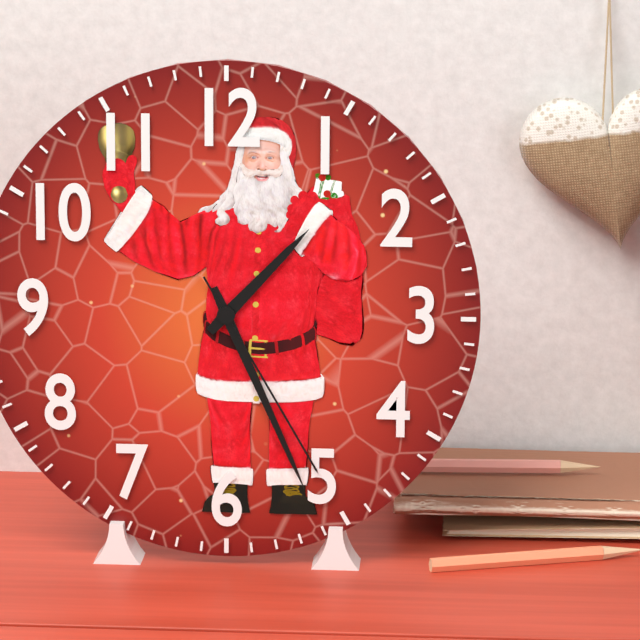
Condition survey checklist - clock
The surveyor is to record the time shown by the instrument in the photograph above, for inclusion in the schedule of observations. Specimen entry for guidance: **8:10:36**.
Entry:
**1:26:25**
